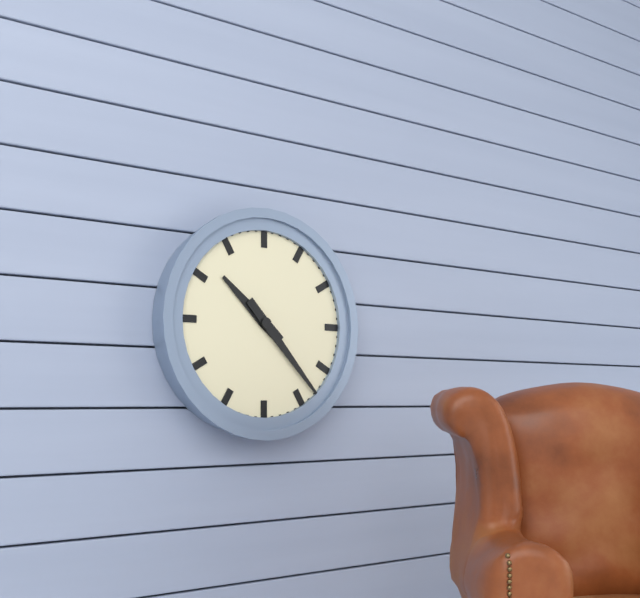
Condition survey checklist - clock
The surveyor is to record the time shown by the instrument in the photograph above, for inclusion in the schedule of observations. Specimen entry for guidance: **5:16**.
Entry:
**10:23**
